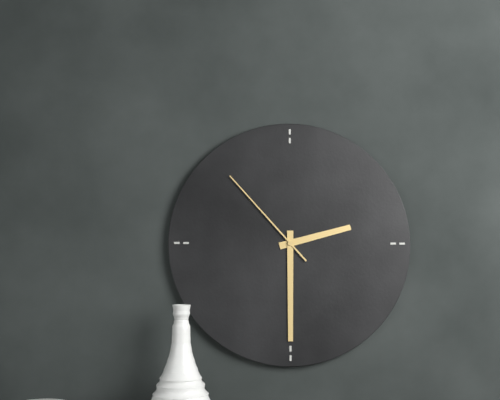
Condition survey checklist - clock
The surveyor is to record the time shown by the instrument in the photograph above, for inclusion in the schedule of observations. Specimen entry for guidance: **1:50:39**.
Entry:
**2:30:53**
